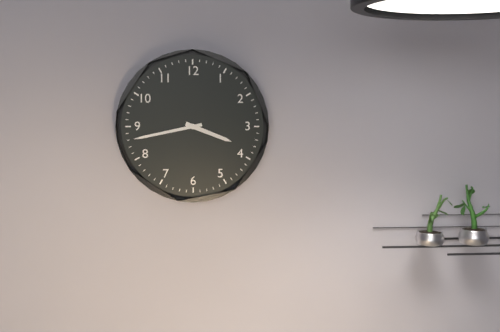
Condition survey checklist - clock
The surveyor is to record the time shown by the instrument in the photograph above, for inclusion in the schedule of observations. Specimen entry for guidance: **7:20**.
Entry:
**3:43**
